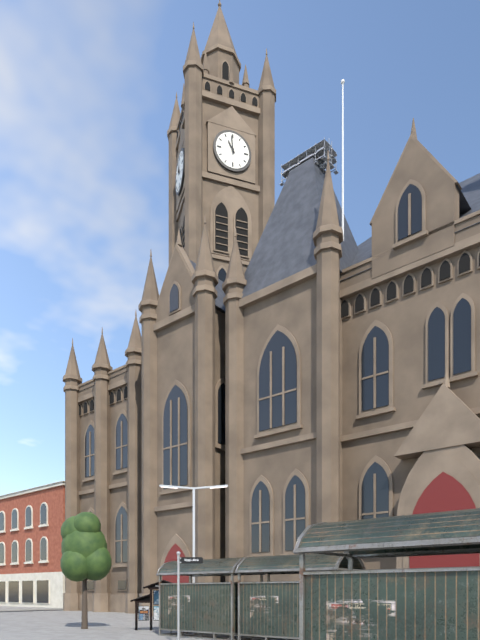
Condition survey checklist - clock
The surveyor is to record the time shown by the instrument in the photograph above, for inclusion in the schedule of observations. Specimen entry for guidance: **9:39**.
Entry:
**10:59**
